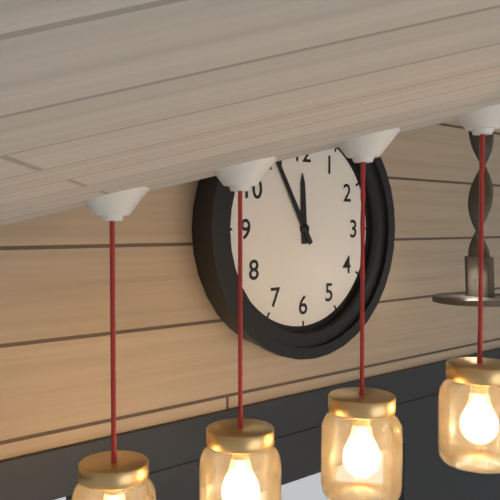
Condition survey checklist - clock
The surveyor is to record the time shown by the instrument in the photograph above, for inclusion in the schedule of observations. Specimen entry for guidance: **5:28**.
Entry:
**11:55**
